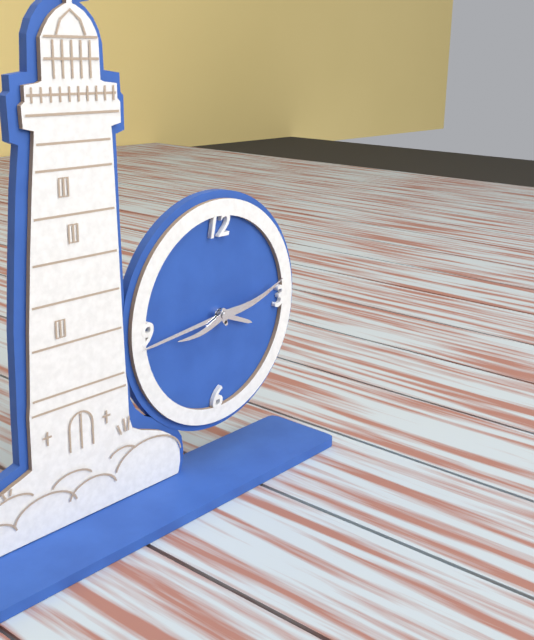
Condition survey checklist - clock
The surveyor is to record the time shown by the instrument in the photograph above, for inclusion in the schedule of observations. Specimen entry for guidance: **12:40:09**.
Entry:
**3:44:13**
